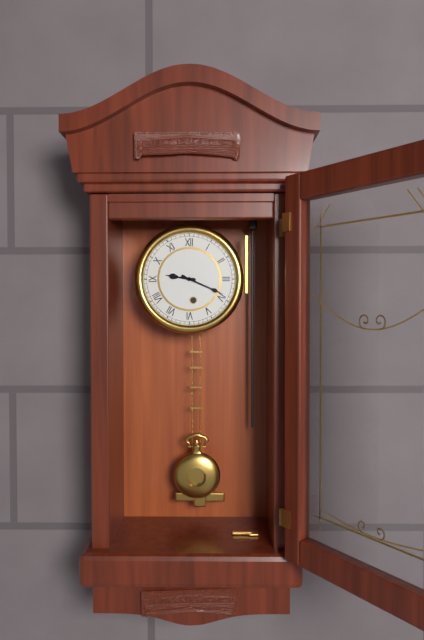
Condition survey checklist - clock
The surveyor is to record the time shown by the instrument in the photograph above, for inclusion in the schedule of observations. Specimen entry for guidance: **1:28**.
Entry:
**9:19**
